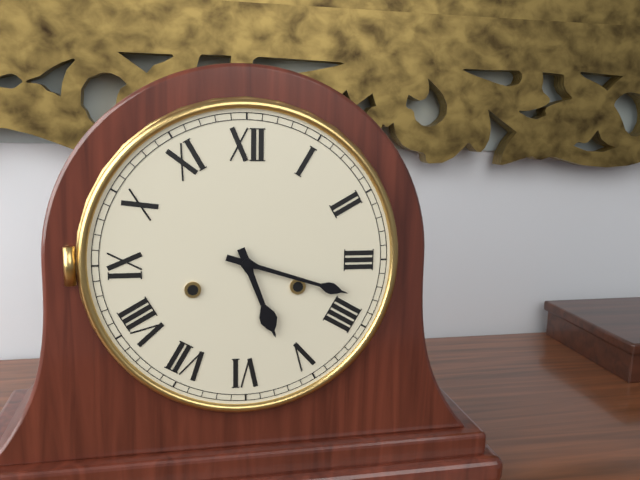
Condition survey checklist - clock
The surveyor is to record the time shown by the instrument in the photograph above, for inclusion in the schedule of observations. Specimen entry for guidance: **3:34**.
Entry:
**5:18**
